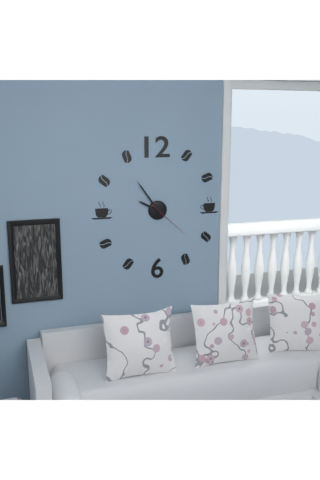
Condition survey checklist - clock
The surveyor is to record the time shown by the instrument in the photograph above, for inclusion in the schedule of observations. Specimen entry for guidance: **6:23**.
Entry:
**9:54**
